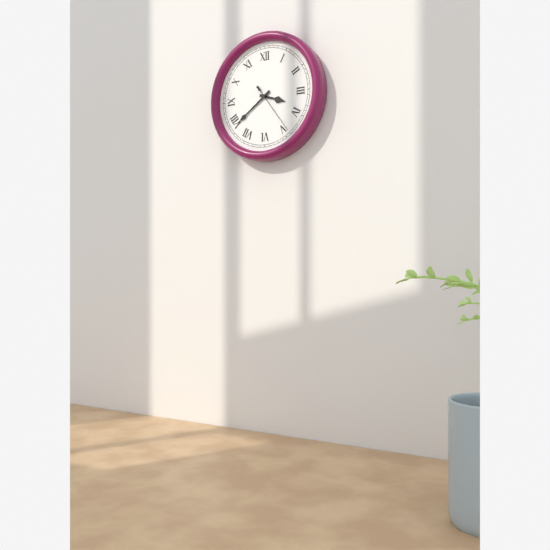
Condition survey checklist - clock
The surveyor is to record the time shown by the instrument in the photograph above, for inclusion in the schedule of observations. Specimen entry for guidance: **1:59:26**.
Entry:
**3:39:24**
